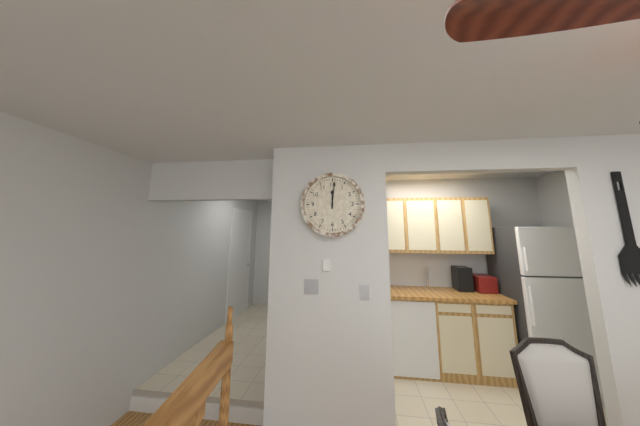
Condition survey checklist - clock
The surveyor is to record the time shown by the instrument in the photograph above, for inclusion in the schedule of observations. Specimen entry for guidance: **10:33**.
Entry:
**12:01**
